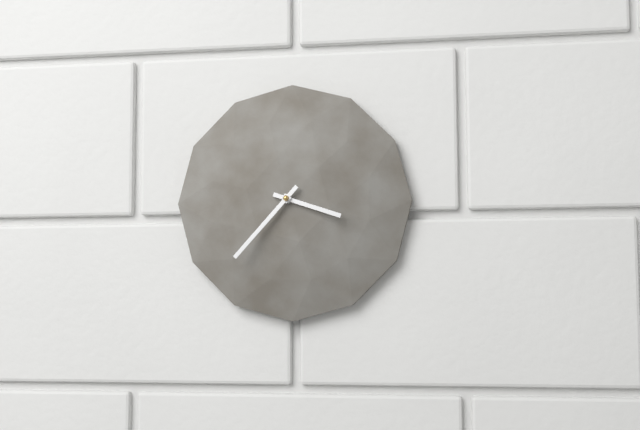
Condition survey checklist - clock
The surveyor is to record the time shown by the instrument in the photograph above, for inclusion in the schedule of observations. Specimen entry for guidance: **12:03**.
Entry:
**3:37**
